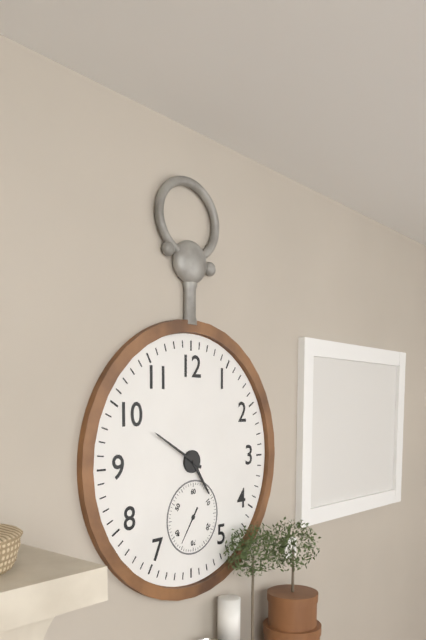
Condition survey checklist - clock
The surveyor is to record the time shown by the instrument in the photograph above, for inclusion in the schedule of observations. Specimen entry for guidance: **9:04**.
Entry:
**4:50**
